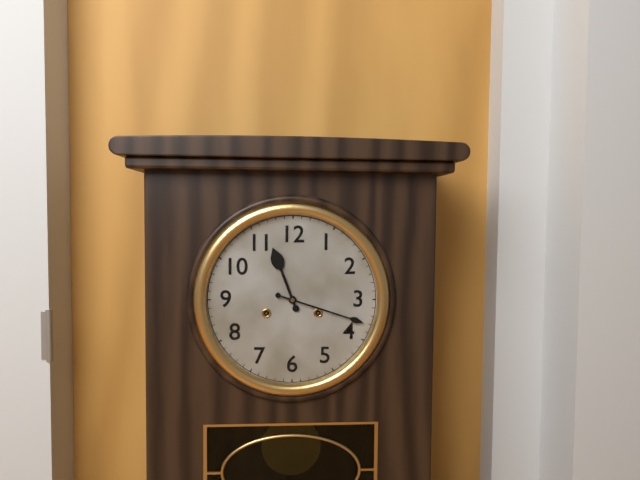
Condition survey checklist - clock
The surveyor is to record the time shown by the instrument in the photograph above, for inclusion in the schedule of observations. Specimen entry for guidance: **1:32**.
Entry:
**11:18**
